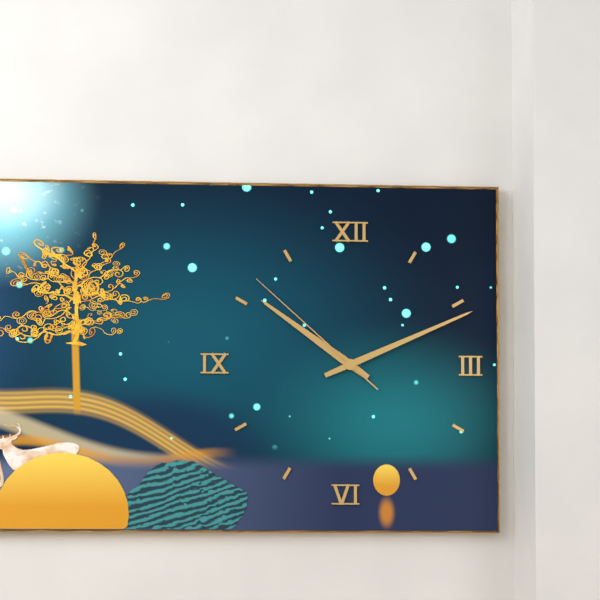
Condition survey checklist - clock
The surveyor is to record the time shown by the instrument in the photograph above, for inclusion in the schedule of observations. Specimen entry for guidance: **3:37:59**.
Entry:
**10:11:52**
